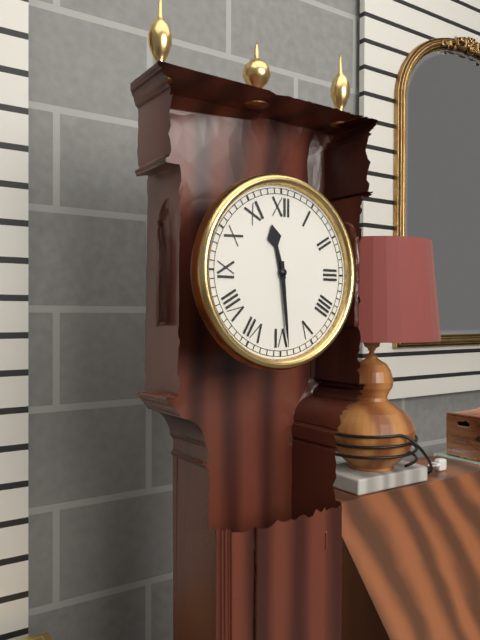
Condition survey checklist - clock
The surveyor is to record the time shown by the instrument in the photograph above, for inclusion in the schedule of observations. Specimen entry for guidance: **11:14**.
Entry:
**11:29**
